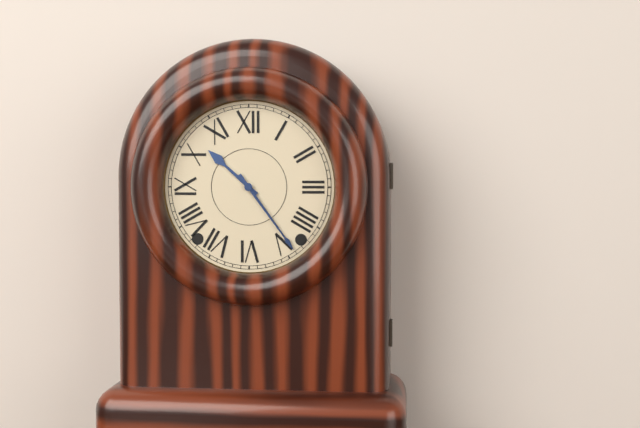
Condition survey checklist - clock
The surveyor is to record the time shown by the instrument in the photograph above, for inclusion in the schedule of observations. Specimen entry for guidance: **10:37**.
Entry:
**10:24**
